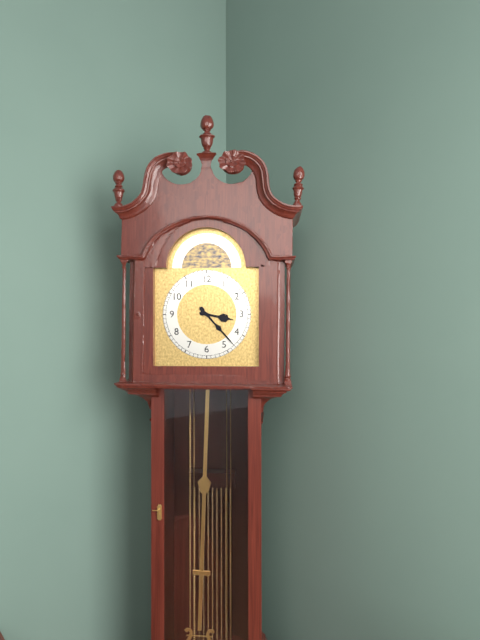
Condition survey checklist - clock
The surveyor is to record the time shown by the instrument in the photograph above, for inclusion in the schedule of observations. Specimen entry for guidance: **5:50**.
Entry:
**3:23**
